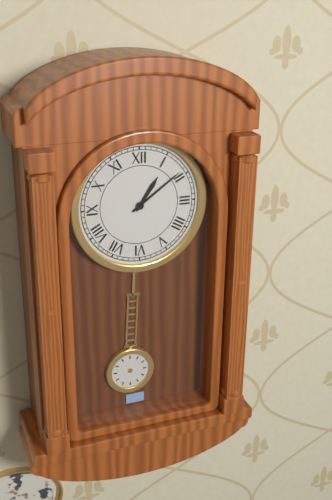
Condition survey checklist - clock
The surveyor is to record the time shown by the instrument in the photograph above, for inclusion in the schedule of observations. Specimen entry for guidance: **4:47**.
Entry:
**1:09**
